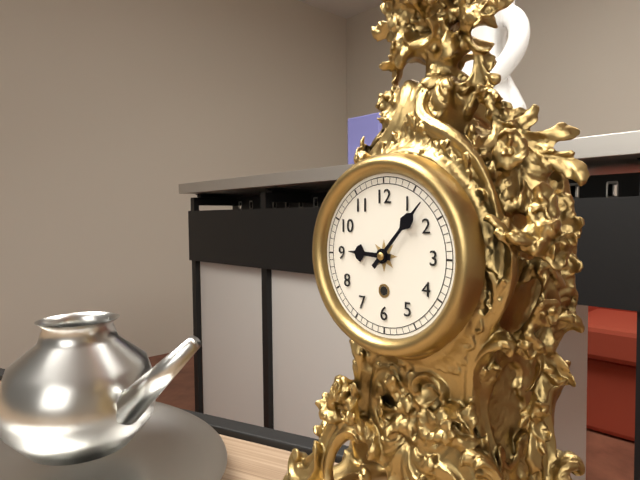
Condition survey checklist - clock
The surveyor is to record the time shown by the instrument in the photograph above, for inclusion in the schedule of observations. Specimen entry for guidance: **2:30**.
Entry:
**9:07**
